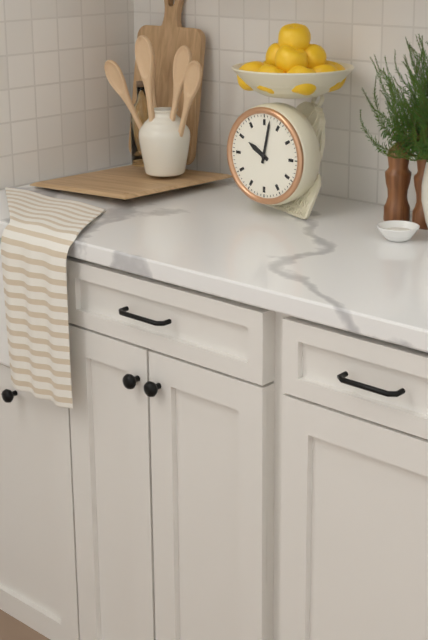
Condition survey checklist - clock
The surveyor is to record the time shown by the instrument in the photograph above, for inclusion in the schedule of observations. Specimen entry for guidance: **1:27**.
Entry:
**10:02**
